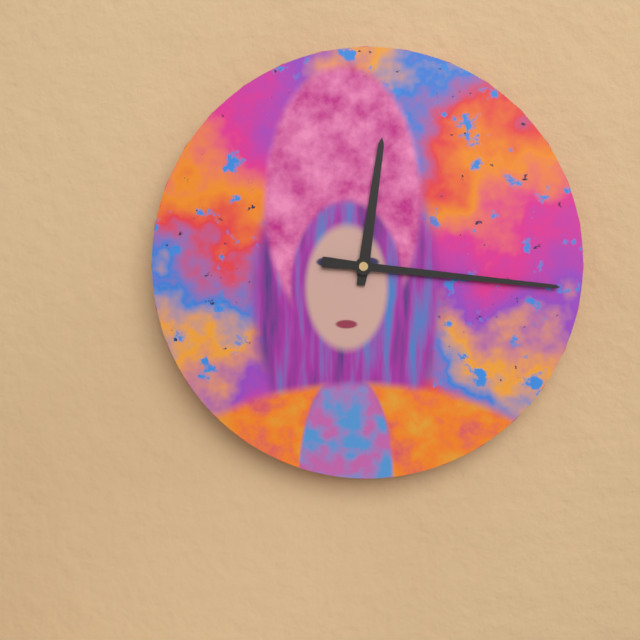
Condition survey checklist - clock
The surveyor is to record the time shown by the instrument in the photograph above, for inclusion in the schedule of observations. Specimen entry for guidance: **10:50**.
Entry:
**12:16**
